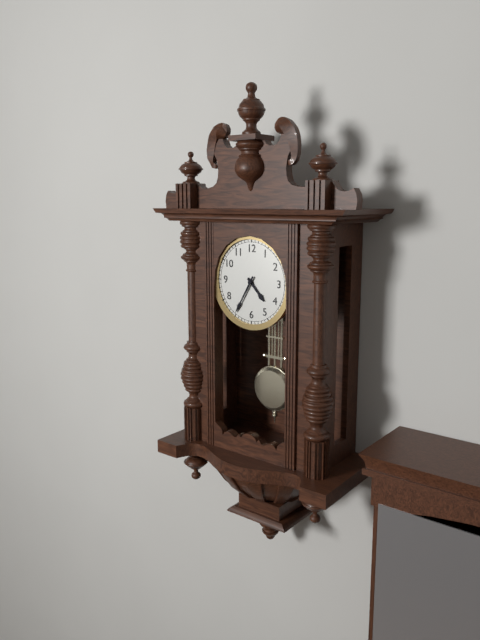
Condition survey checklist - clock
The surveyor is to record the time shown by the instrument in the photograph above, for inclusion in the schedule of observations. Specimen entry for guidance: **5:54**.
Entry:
**4:35**
